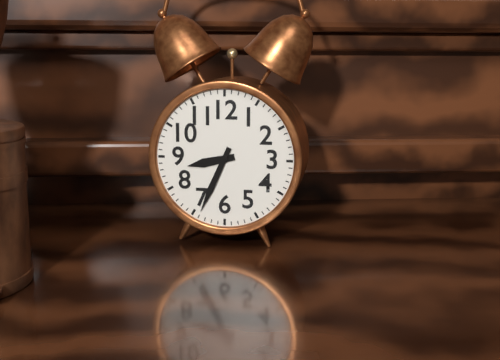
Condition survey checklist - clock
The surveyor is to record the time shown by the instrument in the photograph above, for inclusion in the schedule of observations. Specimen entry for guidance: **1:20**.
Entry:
**8:34**
